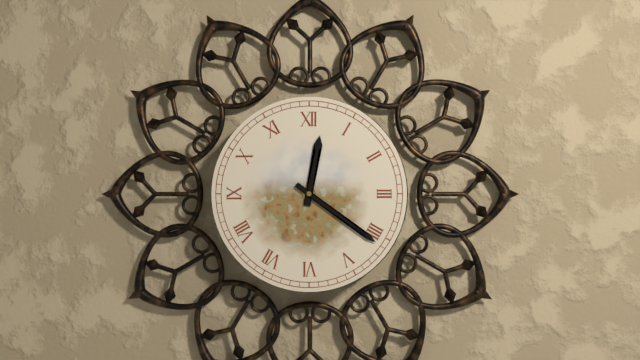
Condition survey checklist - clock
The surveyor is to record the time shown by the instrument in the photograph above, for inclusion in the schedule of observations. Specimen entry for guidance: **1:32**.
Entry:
**12:21**
